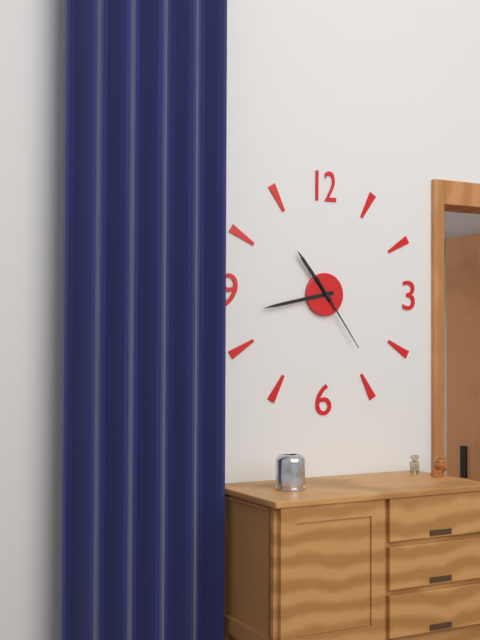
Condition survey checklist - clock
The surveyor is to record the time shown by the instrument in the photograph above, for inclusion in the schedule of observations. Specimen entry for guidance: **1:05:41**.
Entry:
**10:43:24**
